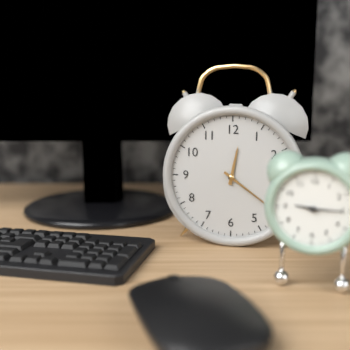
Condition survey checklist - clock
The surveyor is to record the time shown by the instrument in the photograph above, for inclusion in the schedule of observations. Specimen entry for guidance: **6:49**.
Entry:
**12:21**
